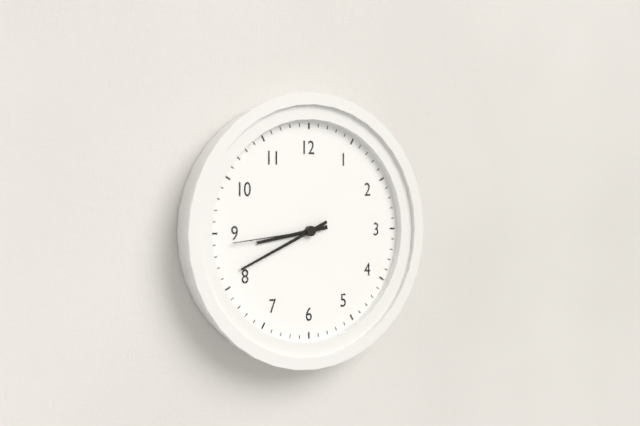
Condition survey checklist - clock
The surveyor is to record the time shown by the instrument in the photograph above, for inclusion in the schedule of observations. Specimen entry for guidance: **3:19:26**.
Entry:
**8:41:44**
